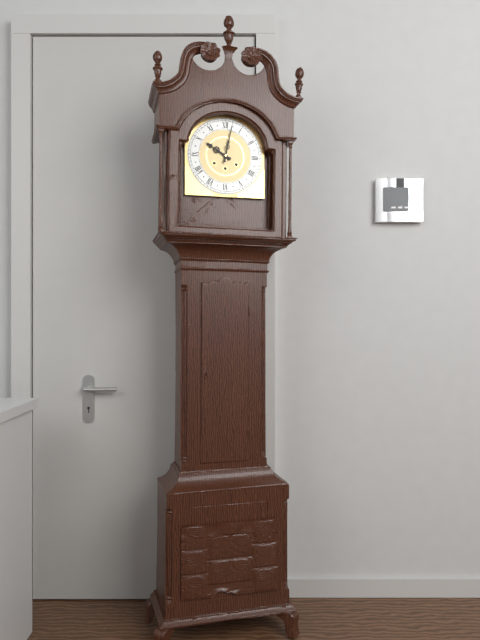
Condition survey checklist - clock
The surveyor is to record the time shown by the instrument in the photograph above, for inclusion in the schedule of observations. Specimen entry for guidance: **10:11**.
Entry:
**10:02**
